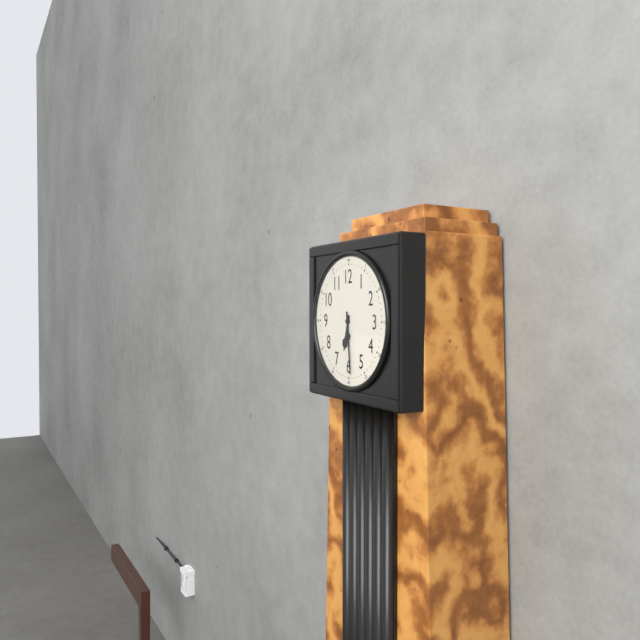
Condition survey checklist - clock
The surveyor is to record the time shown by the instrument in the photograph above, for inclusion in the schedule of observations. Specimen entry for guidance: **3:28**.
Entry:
**6:29**
